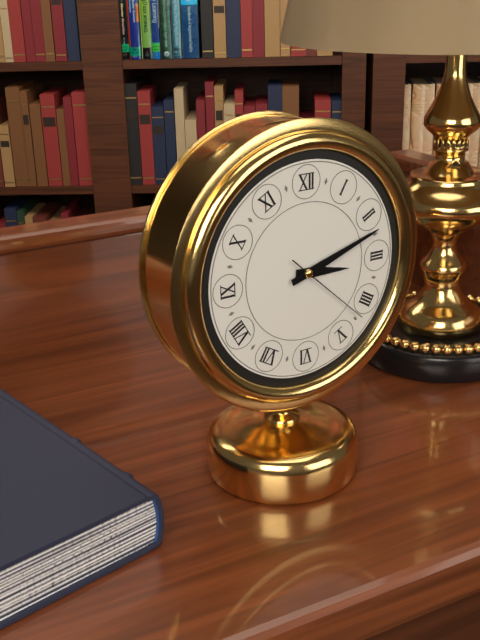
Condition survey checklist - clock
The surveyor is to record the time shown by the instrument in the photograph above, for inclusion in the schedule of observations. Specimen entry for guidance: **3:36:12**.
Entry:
**3:12:22**
